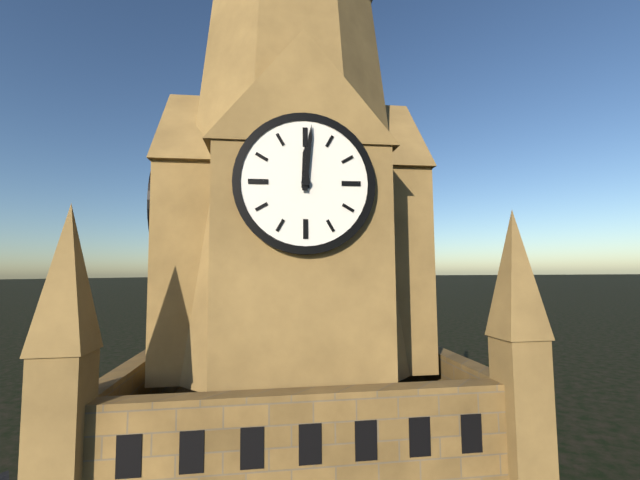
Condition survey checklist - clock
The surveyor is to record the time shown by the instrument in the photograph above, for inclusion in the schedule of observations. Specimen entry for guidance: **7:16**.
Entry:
**12:01**
